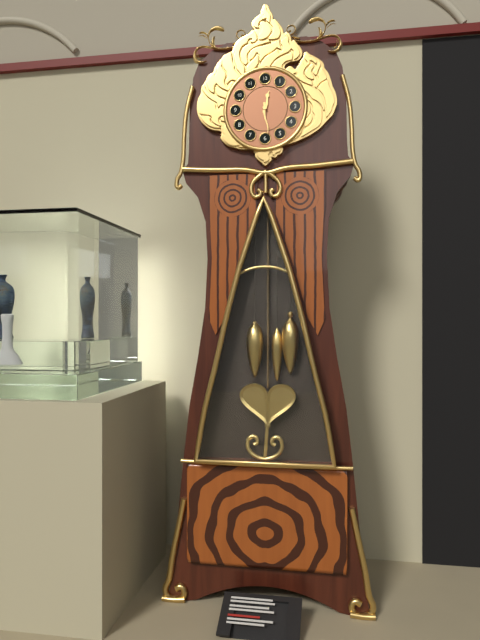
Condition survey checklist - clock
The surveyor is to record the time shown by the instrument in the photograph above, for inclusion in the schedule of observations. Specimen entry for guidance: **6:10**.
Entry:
**12:29**
